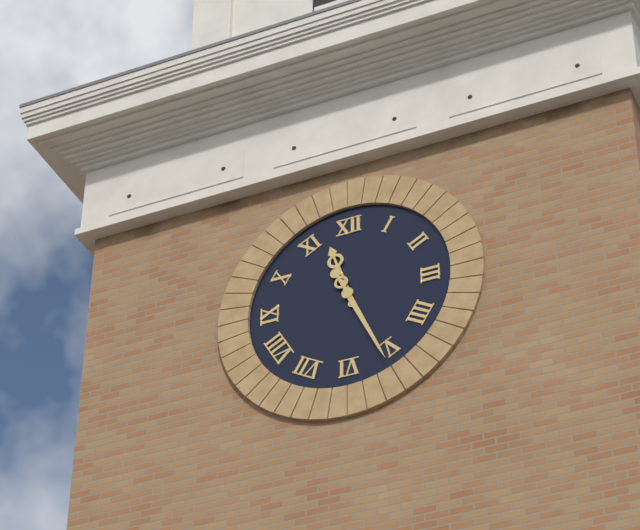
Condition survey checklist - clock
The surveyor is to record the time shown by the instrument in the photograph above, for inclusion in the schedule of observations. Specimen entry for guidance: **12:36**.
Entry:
**11:26**
